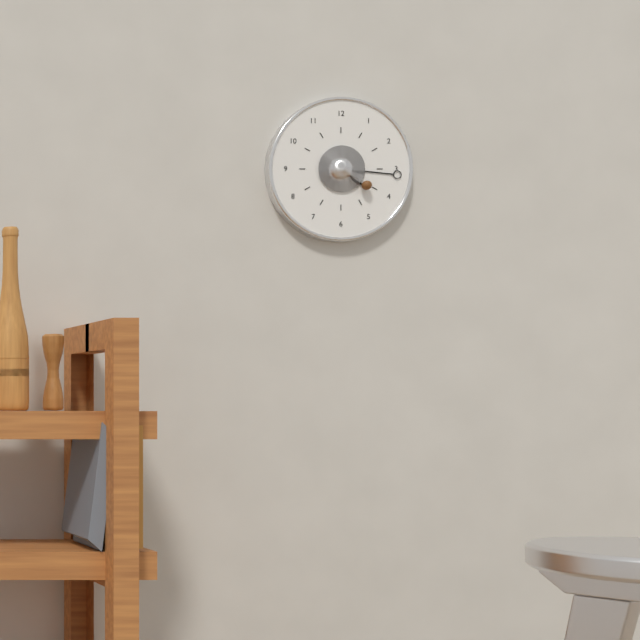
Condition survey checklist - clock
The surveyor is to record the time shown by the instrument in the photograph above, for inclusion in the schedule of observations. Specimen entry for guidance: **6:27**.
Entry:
**4:16**
